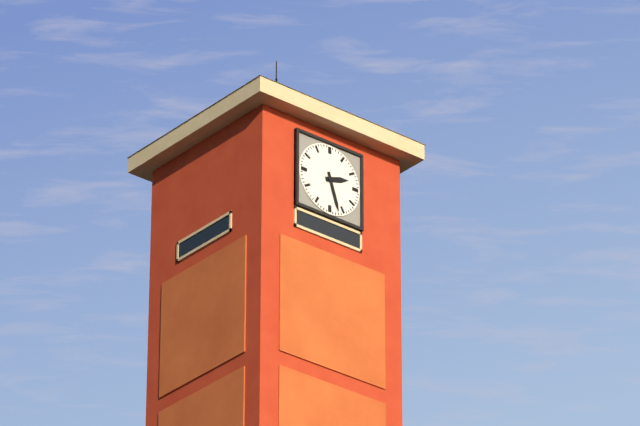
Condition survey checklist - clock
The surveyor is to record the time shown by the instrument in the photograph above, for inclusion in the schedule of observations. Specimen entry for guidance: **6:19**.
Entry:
**2:27**
